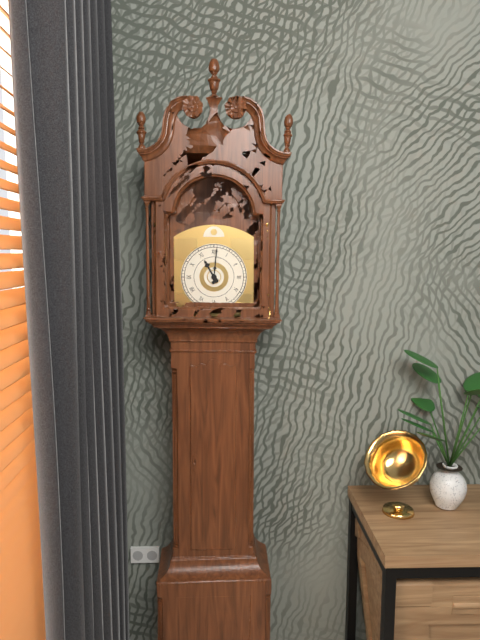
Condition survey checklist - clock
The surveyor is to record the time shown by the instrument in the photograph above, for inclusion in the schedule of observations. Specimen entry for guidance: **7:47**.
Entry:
**11:01**
